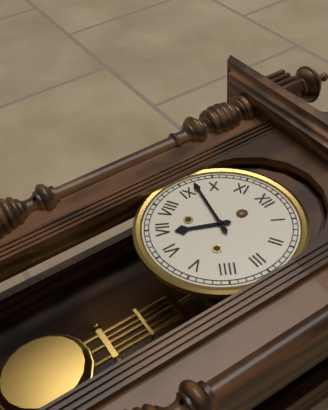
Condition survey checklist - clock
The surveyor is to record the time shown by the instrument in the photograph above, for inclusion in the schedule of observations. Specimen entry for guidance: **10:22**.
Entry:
**6:47**
